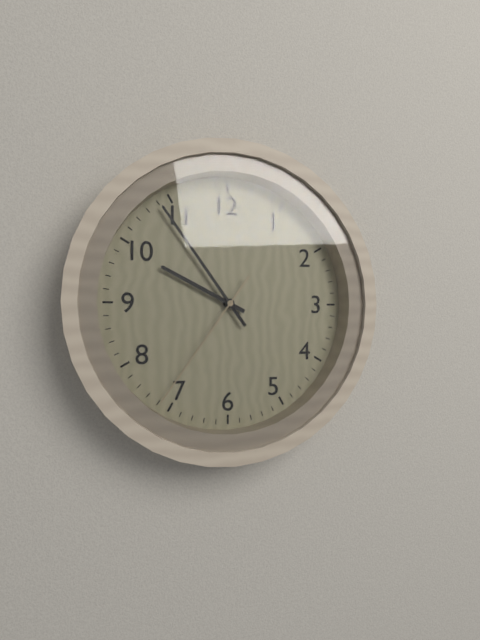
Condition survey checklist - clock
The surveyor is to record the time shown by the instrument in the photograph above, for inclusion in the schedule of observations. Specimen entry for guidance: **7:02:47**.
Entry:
**9:54:36**
